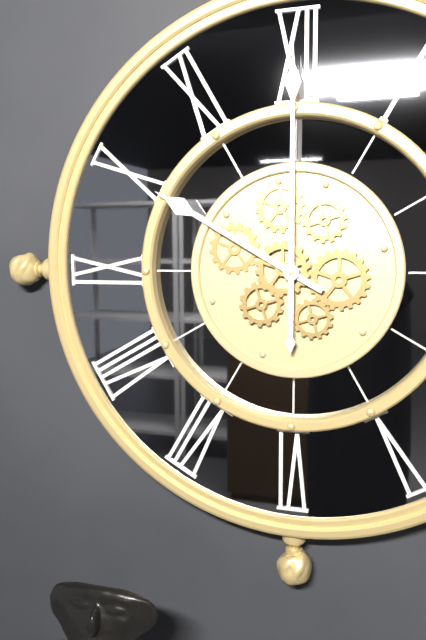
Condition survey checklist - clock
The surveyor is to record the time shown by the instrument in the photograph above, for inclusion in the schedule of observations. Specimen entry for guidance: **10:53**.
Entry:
**10:00**
